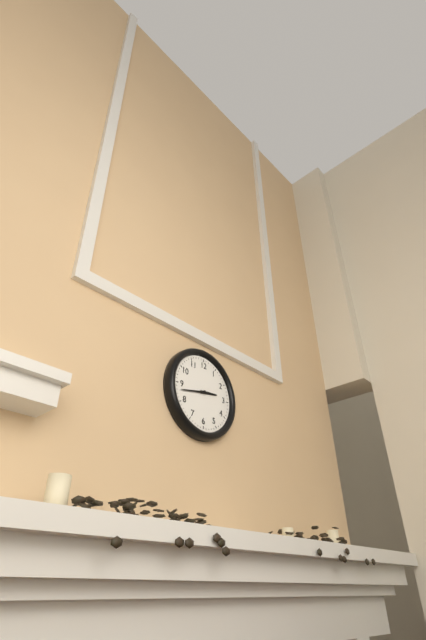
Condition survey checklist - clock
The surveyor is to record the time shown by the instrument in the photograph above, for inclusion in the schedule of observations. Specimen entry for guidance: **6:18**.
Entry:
**2:43**
